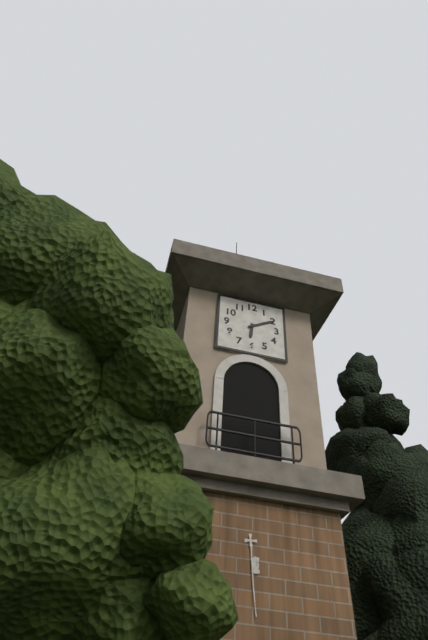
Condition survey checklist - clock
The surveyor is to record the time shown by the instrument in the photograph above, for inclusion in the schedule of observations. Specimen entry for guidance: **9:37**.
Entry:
**6:10**
